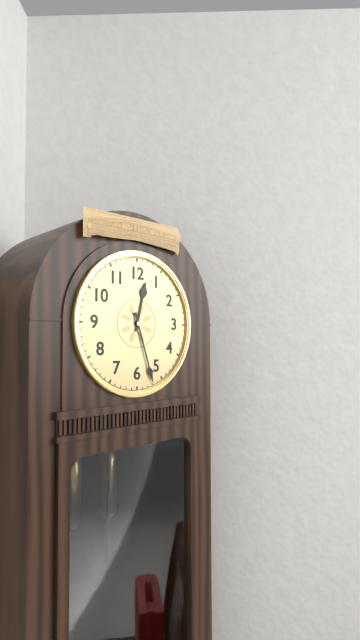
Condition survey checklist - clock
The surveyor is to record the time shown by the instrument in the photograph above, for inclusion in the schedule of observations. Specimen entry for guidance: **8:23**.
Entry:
**12:27**
